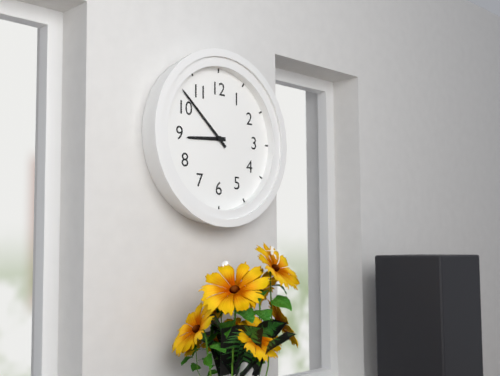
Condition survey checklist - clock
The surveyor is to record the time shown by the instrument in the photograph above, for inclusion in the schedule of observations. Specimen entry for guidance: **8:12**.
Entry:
**8:52**
